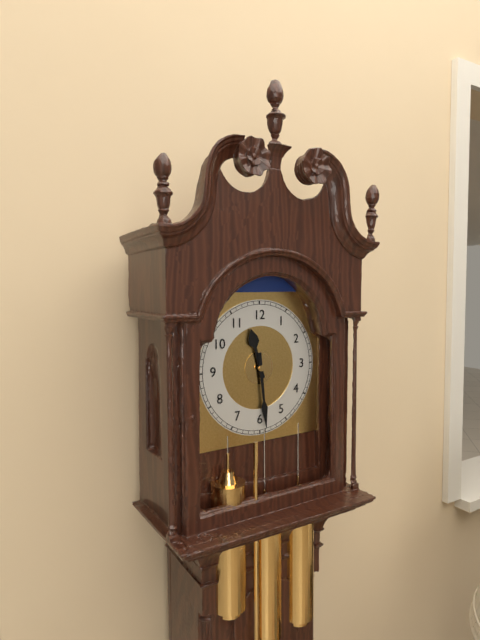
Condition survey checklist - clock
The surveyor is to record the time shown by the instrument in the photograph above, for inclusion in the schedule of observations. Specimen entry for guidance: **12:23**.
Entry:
**11:29**
